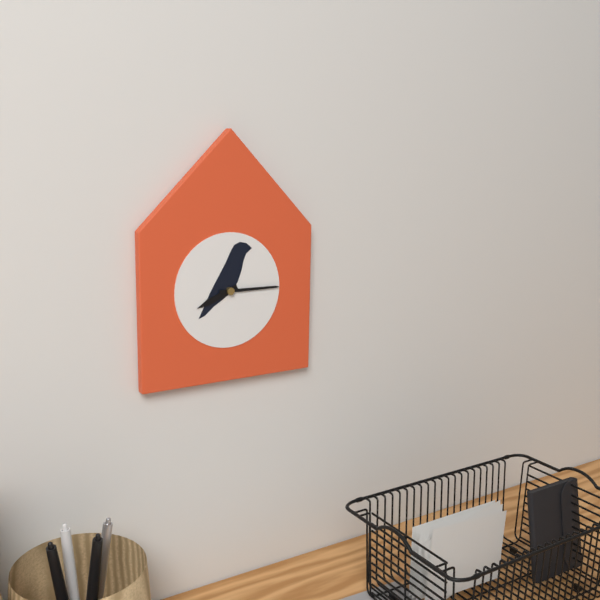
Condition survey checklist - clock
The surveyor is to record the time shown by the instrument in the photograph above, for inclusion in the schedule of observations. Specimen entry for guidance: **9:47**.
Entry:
**8:15**
